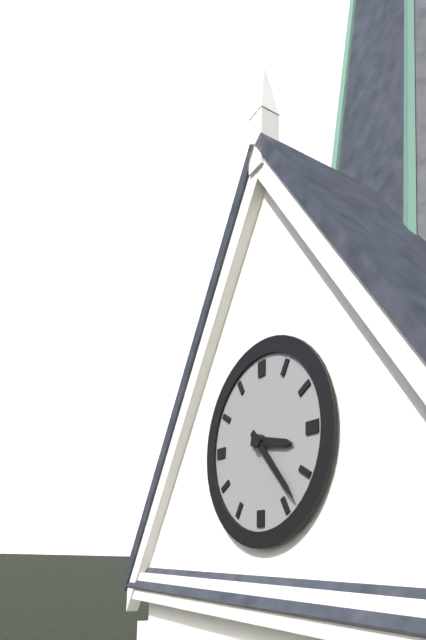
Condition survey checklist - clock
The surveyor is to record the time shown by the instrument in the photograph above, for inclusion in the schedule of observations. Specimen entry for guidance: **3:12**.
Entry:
**3:23**
